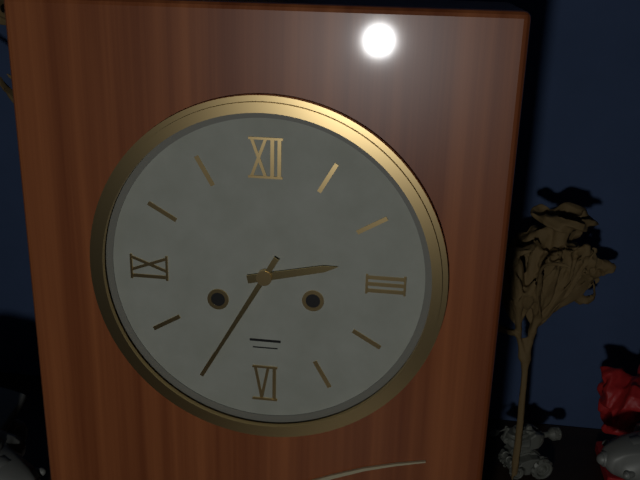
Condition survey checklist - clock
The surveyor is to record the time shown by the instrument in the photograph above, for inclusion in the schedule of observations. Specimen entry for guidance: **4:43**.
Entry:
**2:35**
